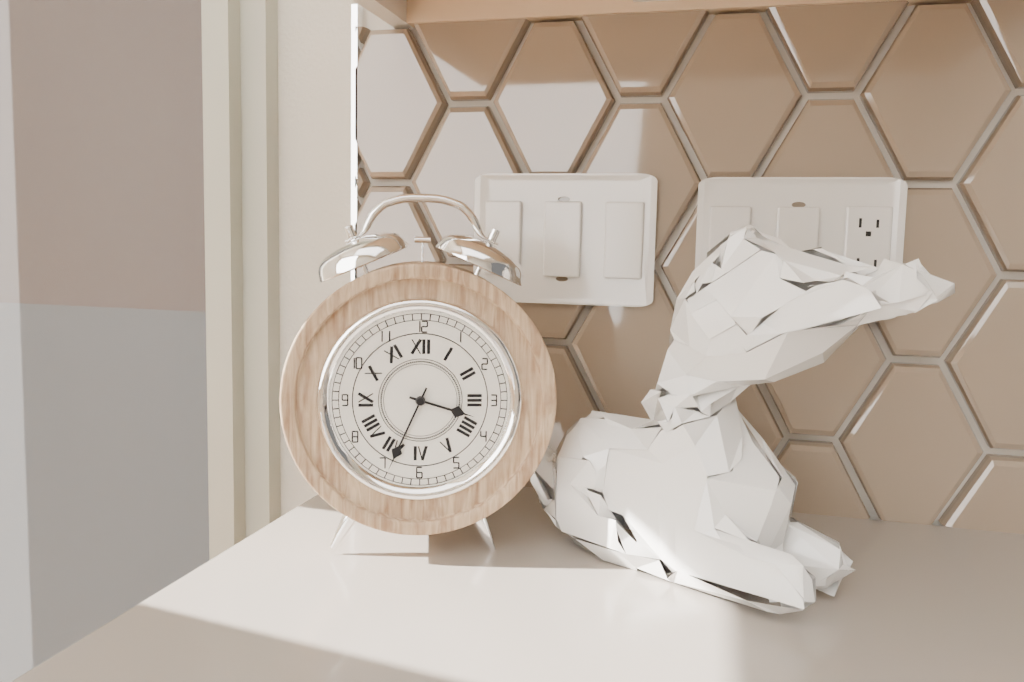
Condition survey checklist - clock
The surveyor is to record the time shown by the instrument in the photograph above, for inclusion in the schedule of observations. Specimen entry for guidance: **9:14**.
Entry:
**3:34**
